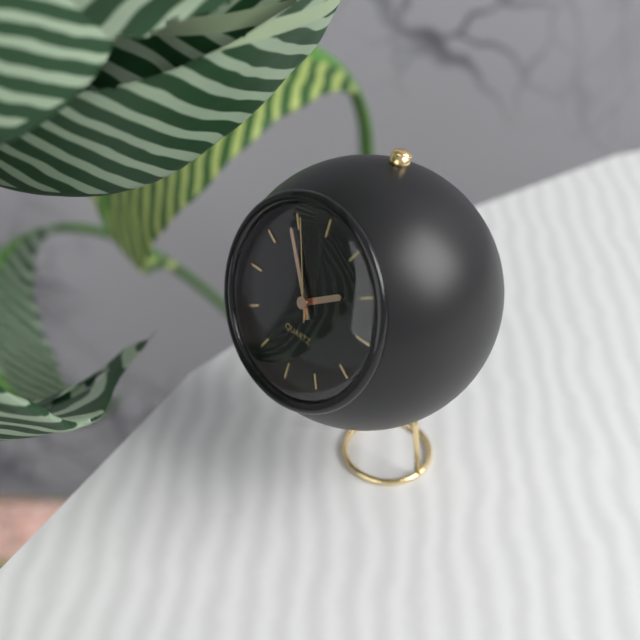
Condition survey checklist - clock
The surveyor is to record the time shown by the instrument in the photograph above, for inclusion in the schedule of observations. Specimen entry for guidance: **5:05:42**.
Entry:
**1:54:56**
